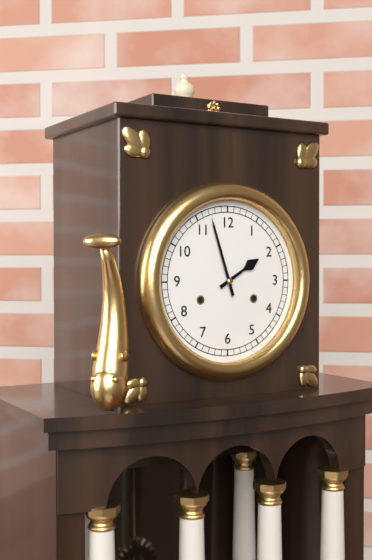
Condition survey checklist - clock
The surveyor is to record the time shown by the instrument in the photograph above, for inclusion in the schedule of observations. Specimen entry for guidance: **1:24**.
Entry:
**1:57**
